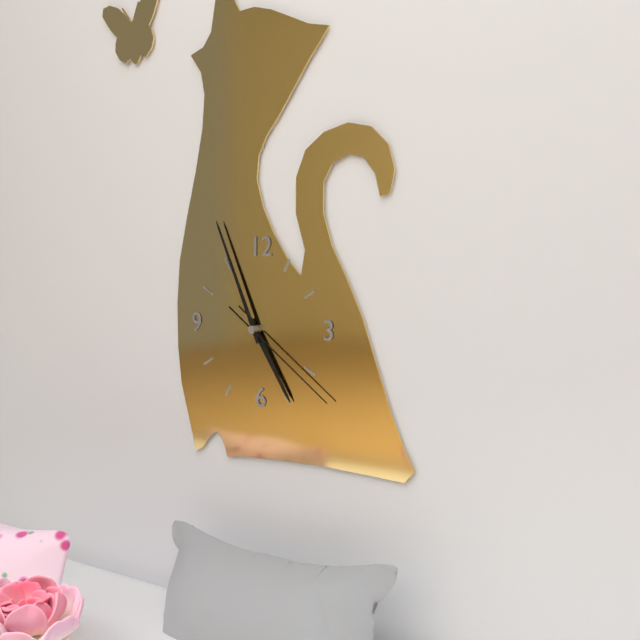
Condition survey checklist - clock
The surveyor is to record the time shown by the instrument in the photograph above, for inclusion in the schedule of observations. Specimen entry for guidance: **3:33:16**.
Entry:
**4:56:21**
